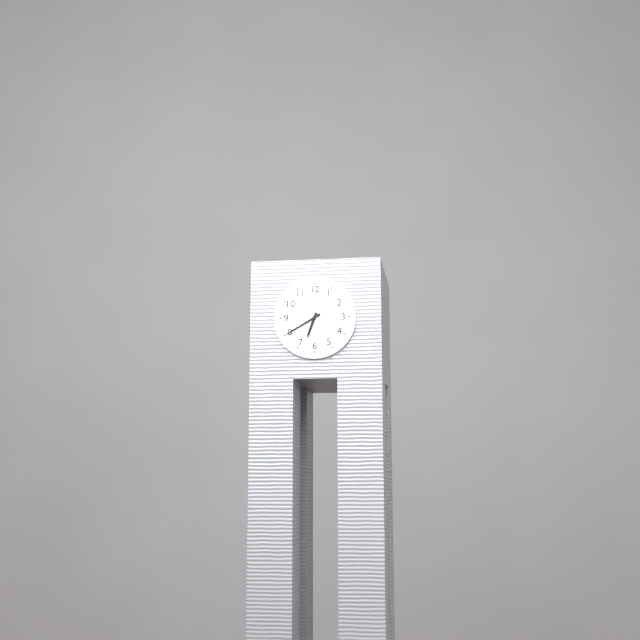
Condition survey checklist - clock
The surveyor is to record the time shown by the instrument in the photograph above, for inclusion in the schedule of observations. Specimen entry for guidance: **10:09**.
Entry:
**6:40**
